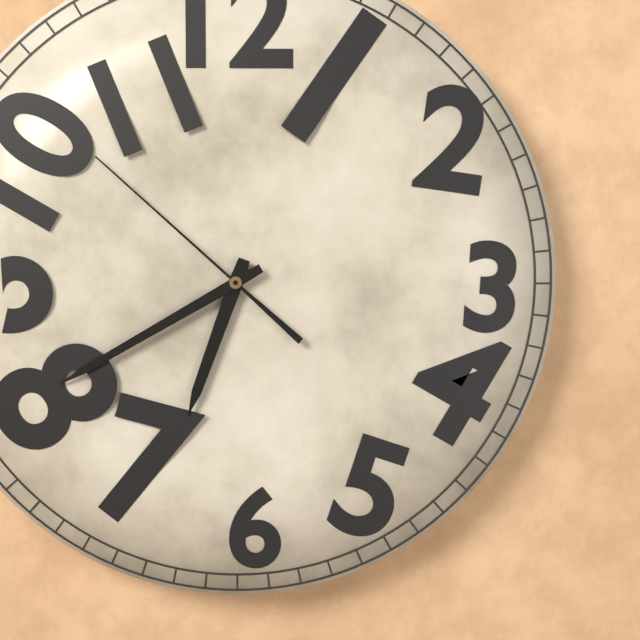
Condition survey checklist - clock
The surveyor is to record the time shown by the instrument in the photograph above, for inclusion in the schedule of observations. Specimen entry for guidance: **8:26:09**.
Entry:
**6:40:52**
